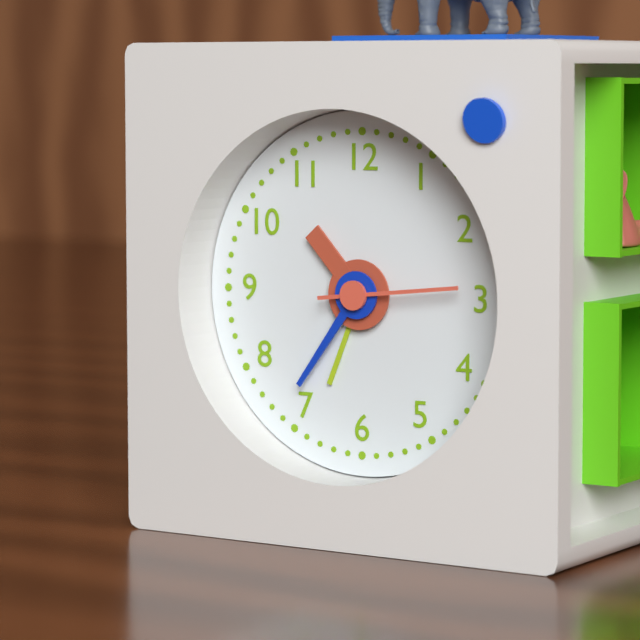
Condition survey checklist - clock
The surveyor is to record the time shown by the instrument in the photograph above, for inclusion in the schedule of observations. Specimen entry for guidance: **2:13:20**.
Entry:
**10:36:14**
